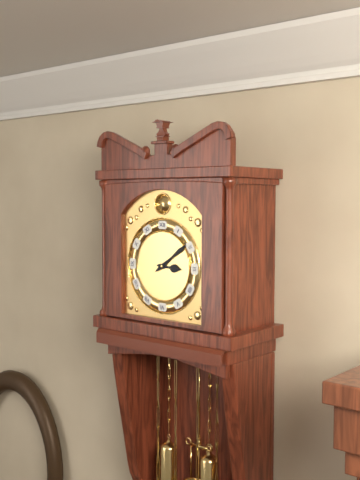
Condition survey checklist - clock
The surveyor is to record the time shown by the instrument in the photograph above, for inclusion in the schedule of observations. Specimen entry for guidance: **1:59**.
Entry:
**3:09**
